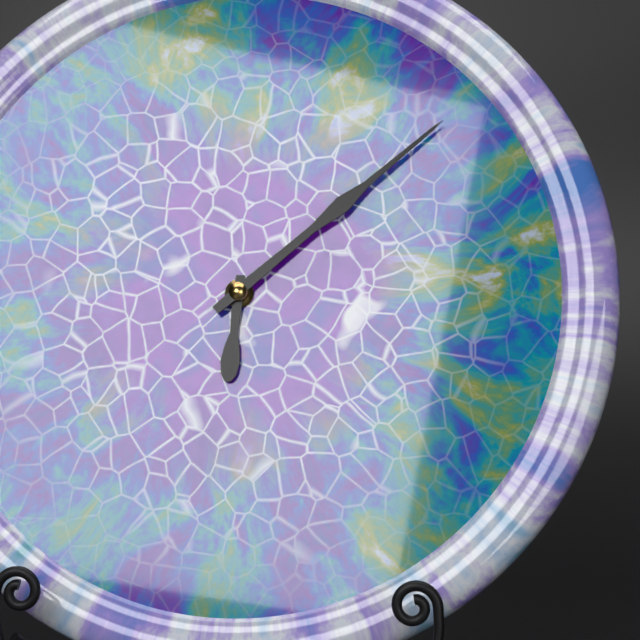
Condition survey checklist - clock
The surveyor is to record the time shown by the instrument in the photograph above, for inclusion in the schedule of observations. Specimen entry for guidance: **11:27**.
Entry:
**6:08**
